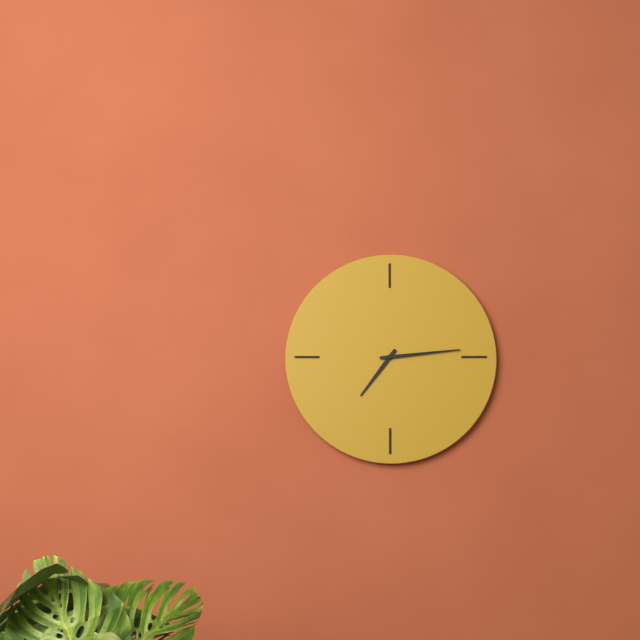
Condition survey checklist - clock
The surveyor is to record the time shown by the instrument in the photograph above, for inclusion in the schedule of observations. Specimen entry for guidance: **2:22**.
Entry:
**7:14**
